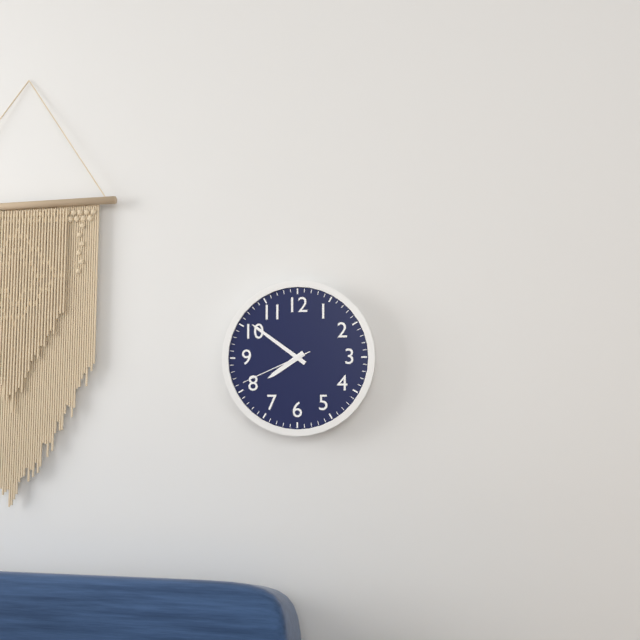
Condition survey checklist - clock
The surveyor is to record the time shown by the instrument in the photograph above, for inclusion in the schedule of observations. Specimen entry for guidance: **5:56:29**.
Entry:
**7:51:41**
